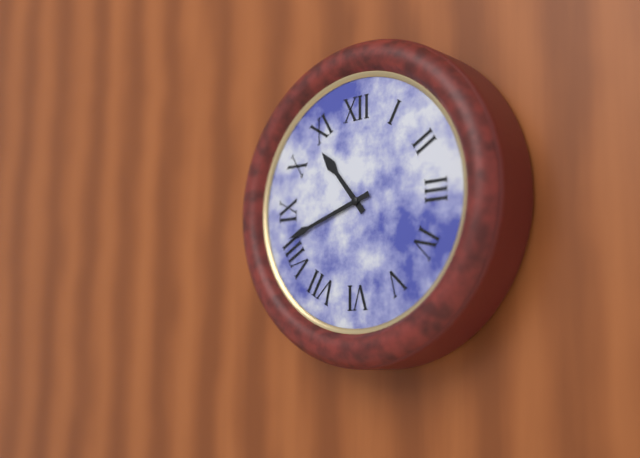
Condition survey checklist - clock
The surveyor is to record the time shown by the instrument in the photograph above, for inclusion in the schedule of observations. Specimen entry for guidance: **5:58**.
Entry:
**10:42**
